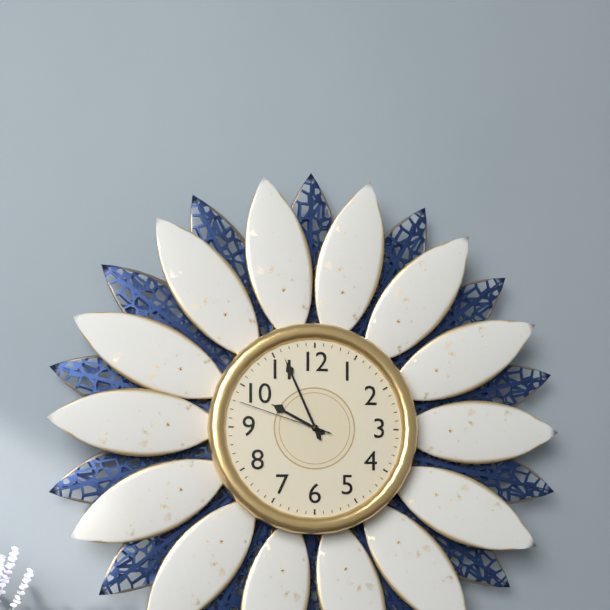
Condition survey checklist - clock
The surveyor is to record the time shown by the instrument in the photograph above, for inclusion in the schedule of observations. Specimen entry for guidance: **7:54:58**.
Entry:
**9:56:48**
